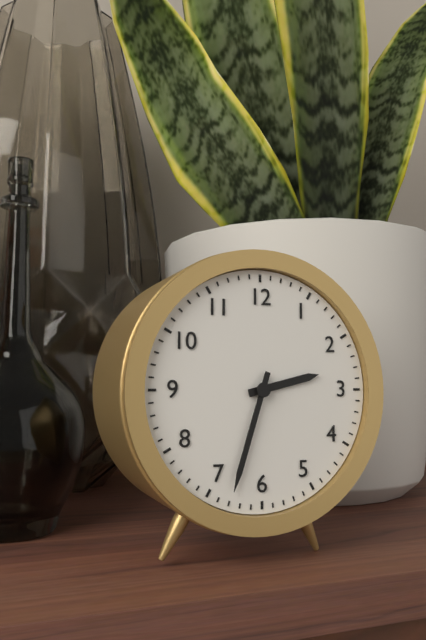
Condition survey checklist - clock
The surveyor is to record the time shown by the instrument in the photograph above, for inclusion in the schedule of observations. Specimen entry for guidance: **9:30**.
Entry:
**2:33**
